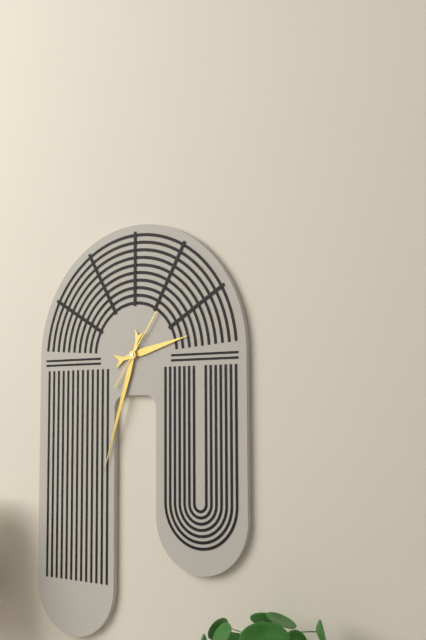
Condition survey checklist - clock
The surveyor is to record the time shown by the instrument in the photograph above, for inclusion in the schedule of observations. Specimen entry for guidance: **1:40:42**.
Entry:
**2:33:06**
